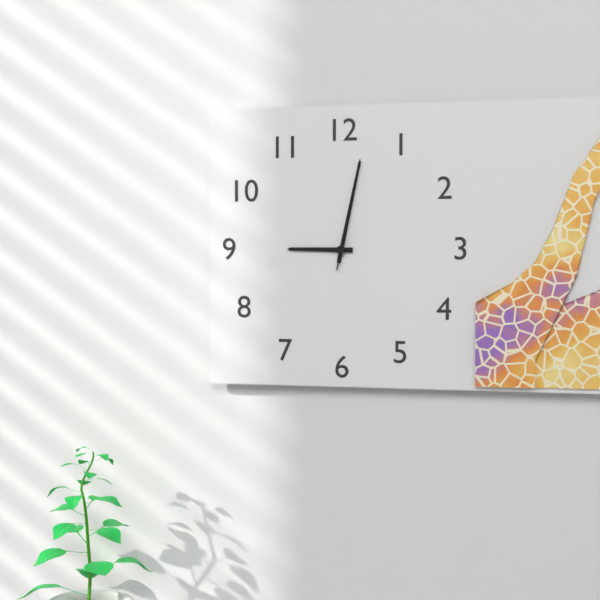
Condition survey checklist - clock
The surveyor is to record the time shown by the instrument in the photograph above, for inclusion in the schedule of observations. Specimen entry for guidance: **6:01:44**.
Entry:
**9:02:02**
